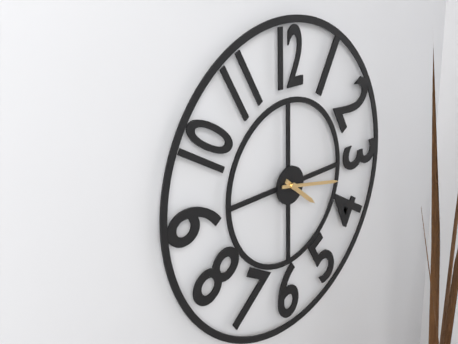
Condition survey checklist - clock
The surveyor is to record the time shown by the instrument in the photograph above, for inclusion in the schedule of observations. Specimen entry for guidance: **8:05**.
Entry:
**4:17**
